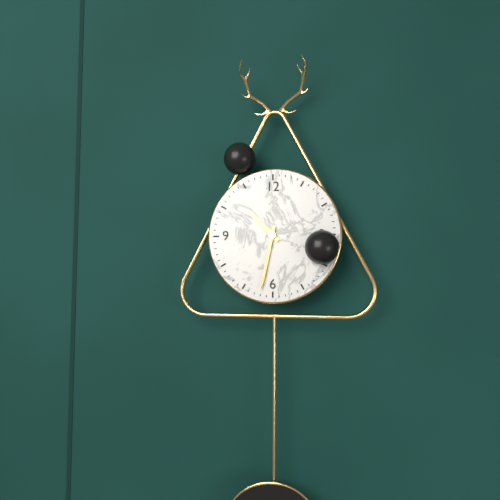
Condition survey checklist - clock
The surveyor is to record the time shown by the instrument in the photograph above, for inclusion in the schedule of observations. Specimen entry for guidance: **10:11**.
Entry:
**10:32**
